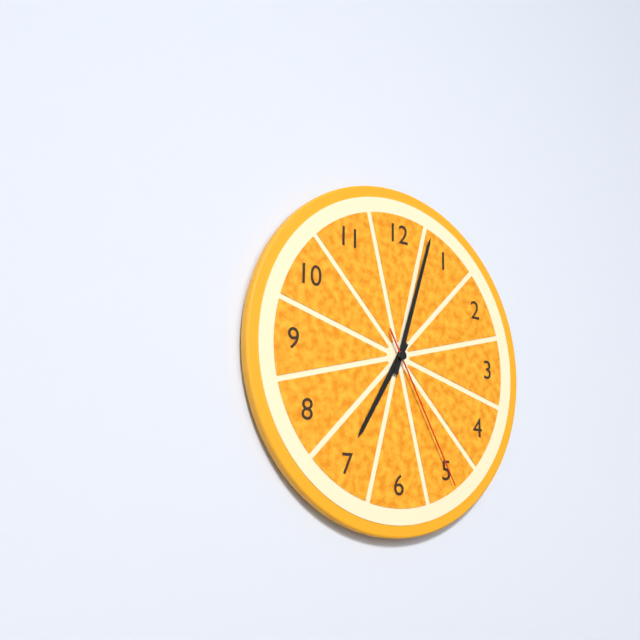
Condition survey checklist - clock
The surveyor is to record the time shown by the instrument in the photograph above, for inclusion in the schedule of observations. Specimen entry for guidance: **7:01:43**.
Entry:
**7:03:25**
